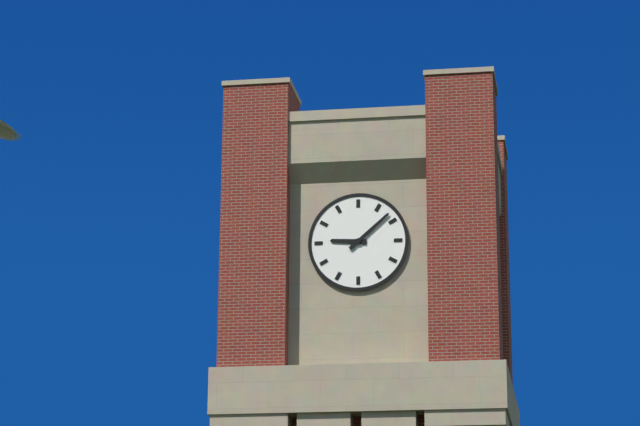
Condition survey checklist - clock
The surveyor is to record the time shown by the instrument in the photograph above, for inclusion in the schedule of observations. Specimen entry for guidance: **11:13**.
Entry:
**9:08**
